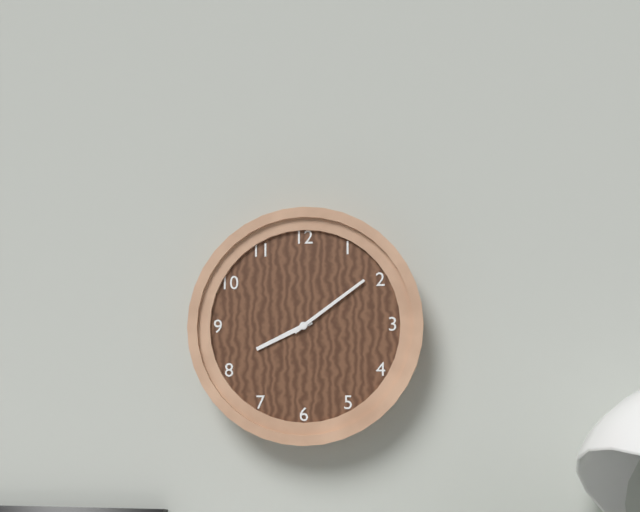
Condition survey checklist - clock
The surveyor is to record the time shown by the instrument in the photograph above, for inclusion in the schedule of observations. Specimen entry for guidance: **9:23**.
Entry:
**8:09**
